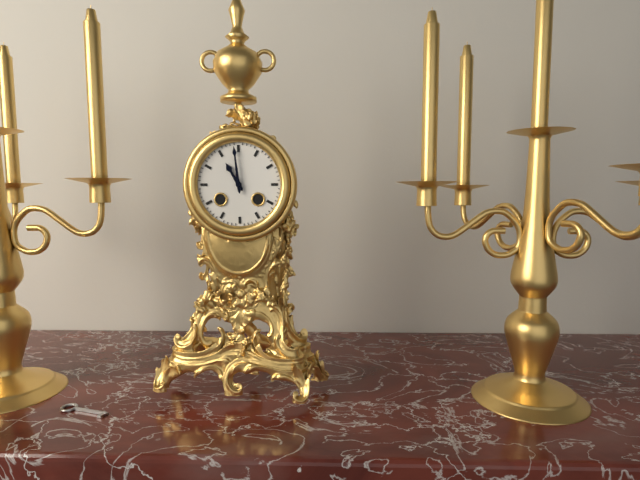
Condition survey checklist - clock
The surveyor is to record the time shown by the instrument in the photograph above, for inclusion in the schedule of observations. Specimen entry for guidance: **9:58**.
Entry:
**10:59**
